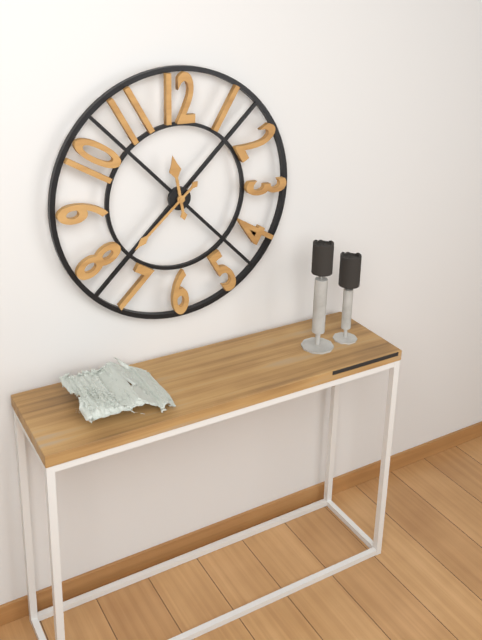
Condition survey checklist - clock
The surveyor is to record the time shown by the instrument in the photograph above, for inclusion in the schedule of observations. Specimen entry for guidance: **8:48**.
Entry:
**11:38**
